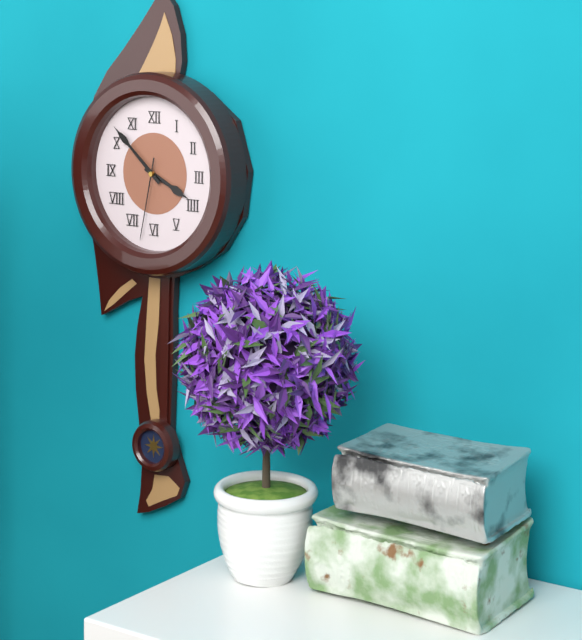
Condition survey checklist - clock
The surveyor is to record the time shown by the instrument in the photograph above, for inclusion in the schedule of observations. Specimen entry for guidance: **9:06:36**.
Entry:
**3:52:32**
